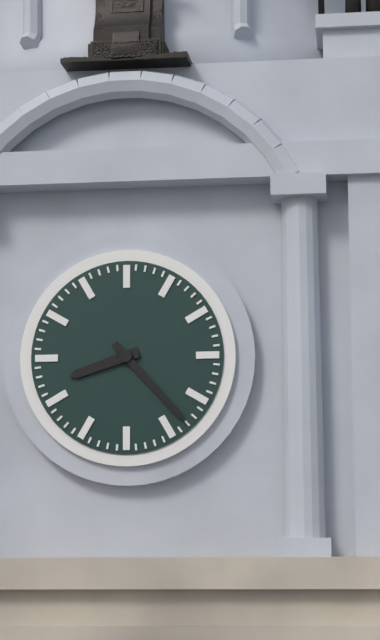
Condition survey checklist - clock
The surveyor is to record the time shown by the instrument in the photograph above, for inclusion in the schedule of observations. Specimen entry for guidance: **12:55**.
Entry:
**8:23**
